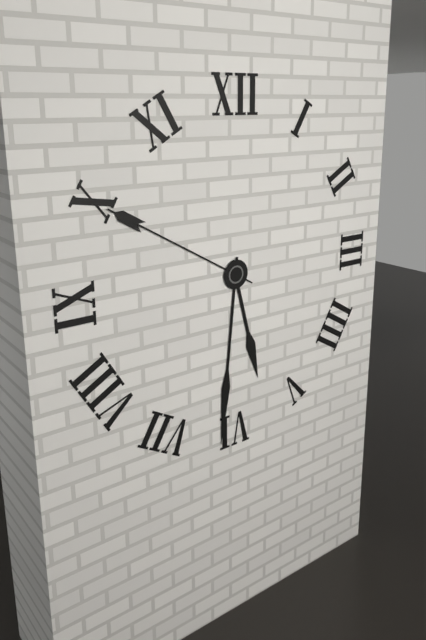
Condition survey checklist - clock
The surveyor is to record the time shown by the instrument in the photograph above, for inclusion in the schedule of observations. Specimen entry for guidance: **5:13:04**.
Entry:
**5:31:50**
